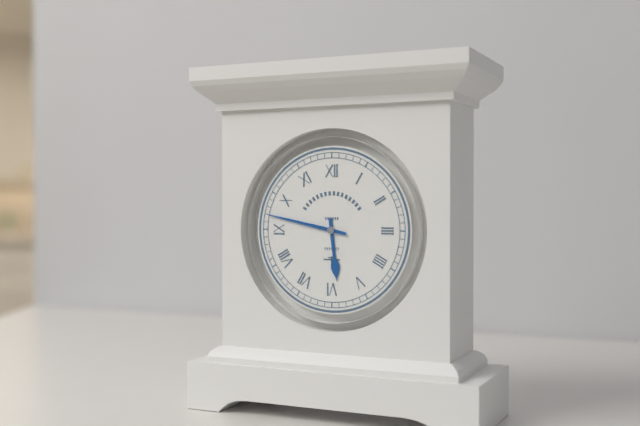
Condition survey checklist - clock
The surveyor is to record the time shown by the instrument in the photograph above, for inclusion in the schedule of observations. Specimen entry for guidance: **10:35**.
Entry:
**5:47**
